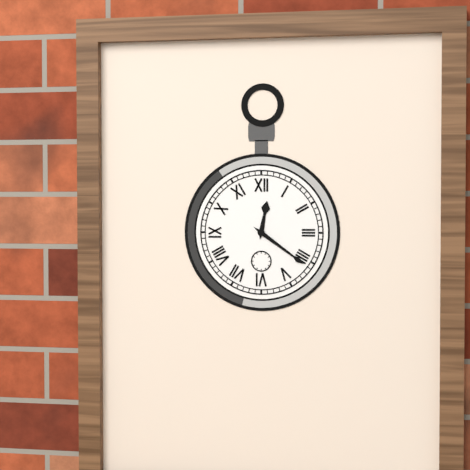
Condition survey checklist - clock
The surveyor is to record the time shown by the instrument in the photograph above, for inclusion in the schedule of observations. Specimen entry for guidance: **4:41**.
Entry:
**12:21**
